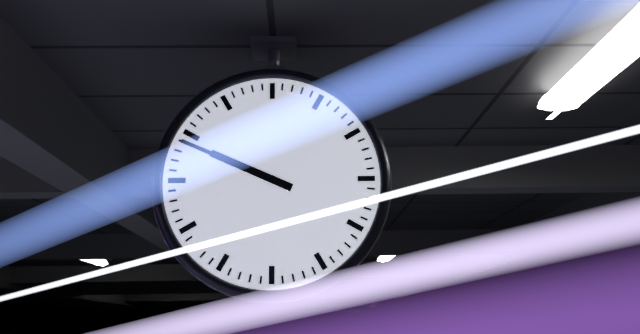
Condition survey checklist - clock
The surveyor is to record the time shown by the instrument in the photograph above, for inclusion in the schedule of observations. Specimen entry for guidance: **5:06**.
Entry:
**9:49**
